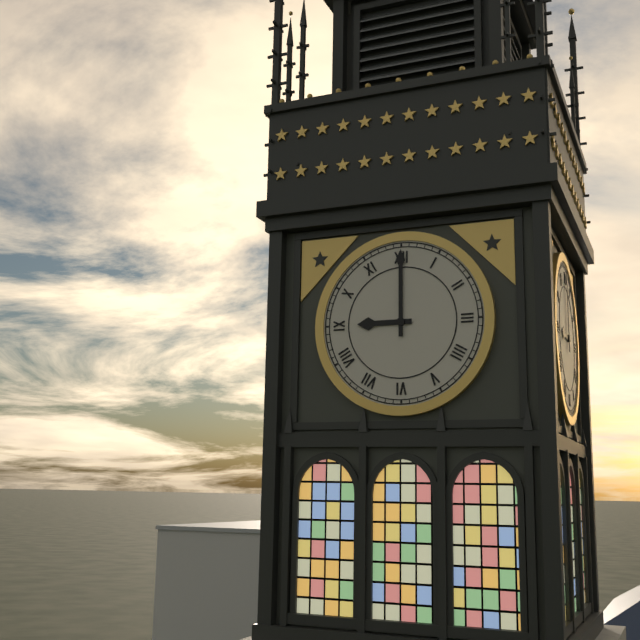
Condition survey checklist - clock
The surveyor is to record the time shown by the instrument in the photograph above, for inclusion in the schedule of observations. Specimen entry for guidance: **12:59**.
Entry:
**9:00**
